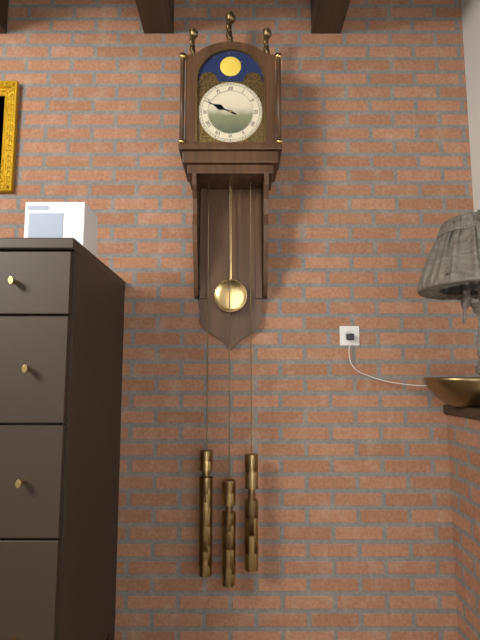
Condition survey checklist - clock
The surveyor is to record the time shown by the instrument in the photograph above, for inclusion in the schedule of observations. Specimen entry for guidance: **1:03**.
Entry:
**9:49**
